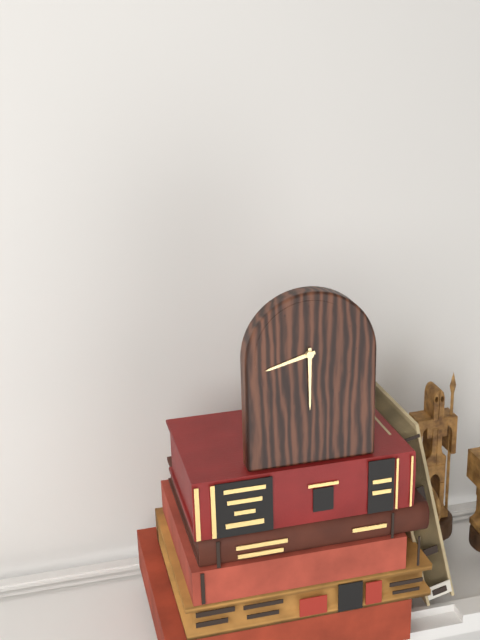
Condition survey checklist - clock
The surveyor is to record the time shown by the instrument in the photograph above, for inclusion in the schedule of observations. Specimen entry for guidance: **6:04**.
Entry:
**8:30**
